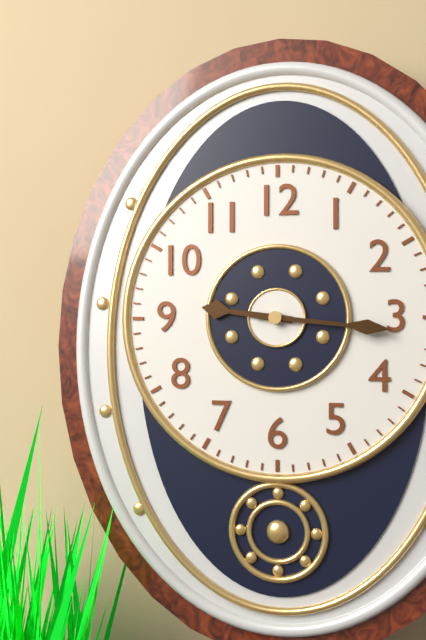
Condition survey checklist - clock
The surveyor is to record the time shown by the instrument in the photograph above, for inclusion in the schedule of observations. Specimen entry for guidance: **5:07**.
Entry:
**9:16**
